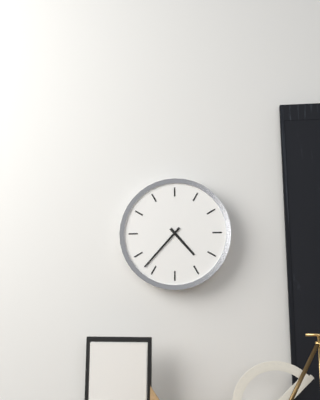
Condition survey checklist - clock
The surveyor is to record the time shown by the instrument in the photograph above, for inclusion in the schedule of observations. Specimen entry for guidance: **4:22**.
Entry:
**4:37**
